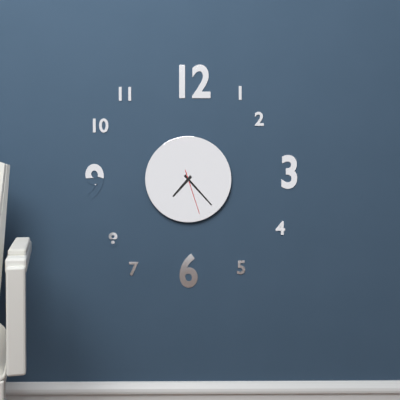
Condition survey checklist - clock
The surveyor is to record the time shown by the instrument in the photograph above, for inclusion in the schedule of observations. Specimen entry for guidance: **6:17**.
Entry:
**7:23**
